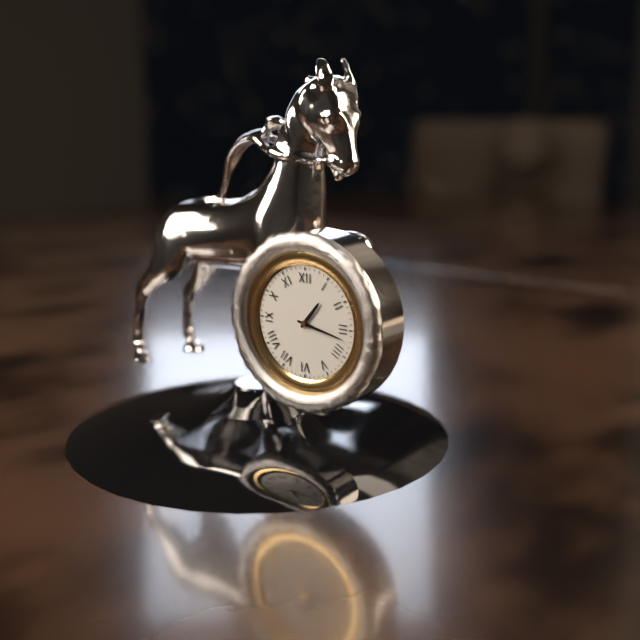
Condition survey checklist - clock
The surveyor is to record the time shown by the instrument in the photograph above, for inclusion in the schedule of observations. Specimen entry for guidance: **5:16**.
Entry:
**1:17**
